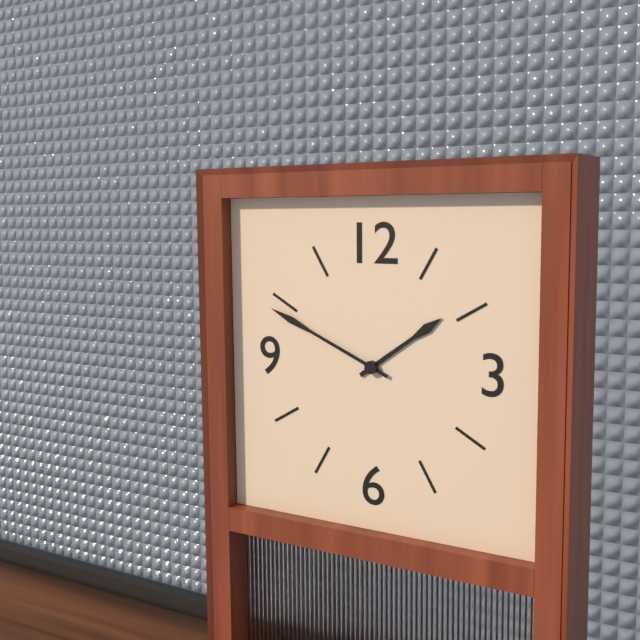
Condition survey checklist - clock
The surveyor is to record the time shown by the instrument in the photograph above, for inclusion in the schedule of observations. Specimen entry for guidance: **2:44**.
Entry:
**1:49**
